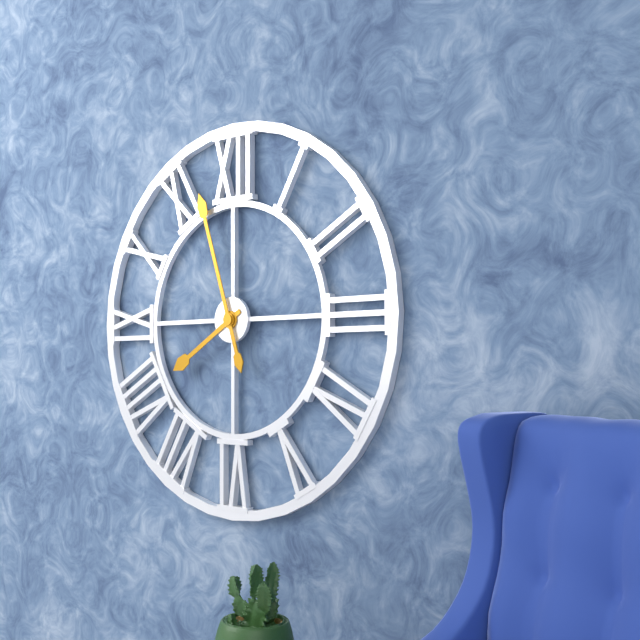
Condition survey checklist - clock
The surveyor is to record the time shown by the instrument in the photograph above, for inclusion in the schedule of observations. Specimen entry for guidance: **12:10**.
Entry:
**7:57**
